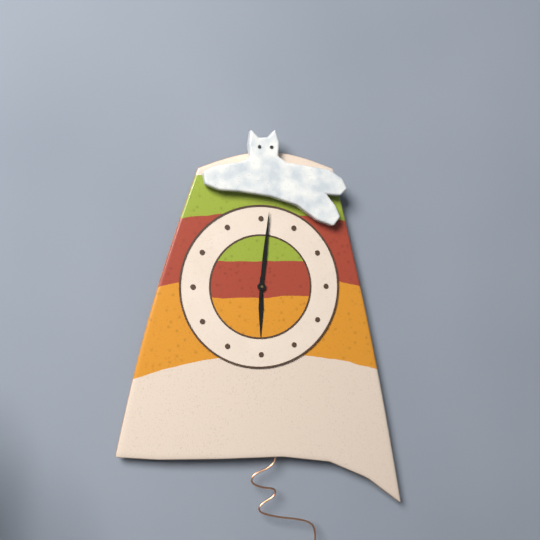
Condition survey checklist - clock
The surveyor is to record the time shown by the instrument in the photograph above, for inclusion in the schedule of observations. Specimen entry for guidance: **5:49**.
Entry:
**6:01**
